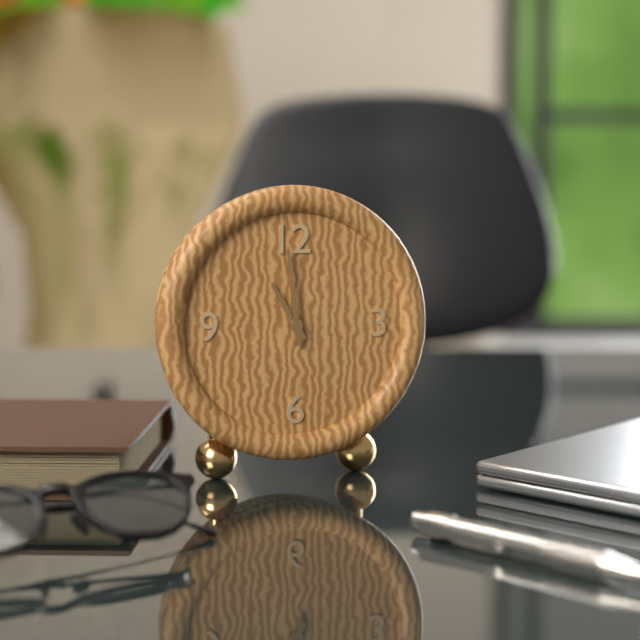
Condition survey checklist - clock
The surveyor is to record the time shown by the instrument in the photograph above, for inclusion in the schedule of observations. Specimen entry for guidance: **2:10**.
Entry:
**10:59**
